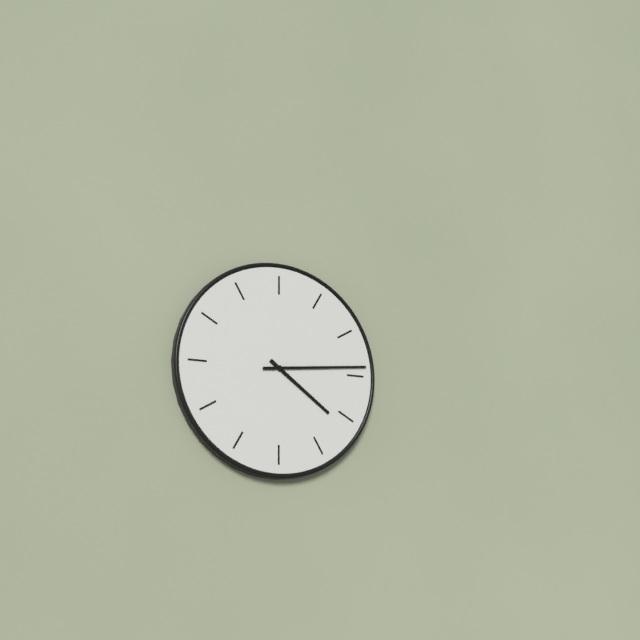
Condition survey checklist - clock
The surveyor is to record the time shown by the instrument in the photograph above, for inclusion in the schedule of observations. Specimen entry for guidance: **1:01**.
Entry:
**4:14**
